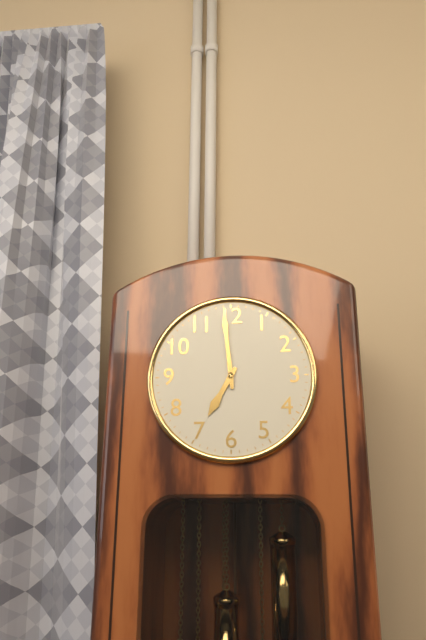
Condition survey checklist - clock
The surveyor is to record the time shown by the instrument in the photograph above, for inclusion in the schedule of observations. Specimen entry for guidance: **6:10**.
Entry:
**6:59**
